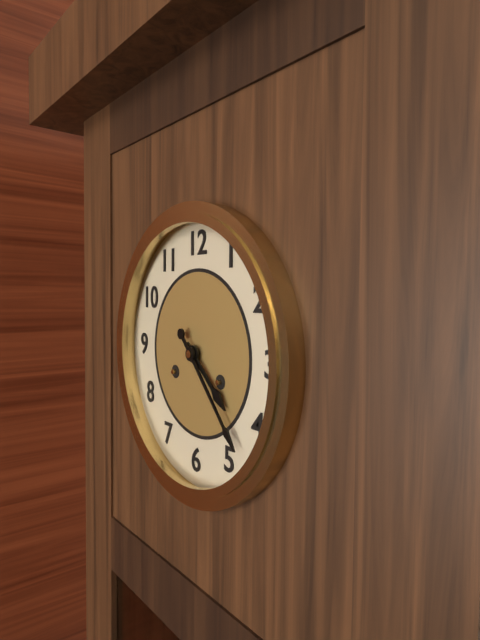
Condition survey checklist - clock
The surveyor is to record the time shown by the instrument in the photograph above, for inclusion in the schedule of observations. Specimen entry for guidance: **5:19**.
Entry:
**4:23**
